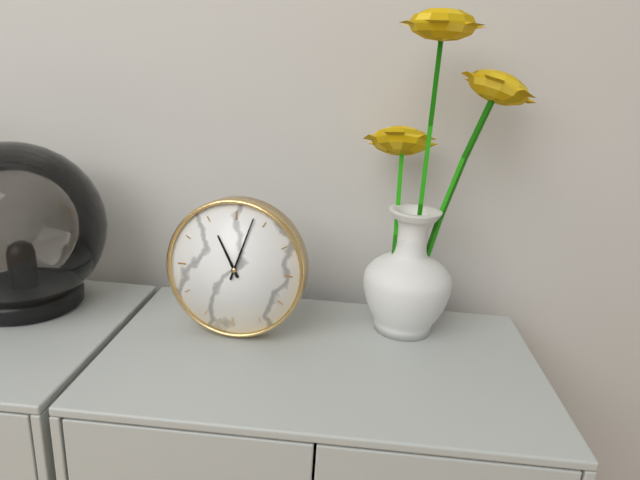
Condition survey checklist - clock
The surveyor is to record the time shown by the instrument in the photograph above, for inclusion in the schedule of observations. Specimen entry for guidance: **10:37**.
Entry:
**11:03**
